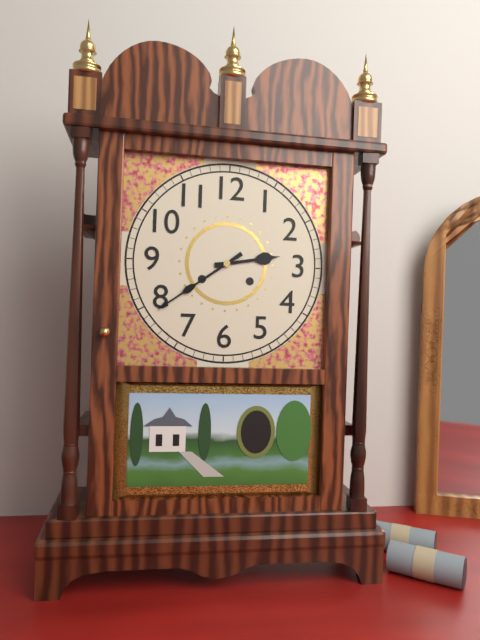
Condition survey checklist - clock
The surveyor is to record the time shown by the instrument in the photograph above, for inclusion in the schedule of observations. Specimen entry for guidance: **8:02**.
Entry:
**2:39**
